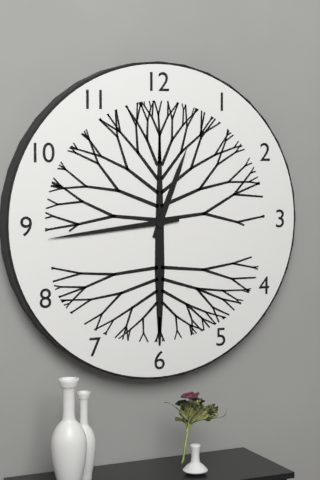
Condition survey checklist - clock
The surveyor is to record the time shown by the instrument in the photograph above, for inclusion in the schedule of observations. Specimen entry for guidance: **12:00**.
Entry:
**12:44**
